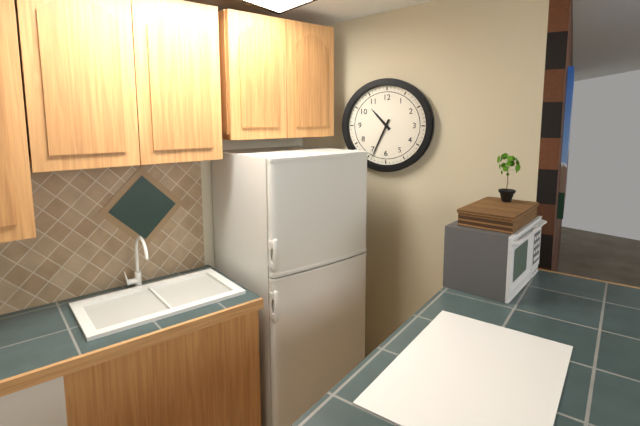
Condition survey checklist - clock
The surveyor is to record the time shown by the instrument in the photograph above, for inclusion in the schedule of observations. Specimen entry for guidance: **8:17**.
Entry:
**10:34**
